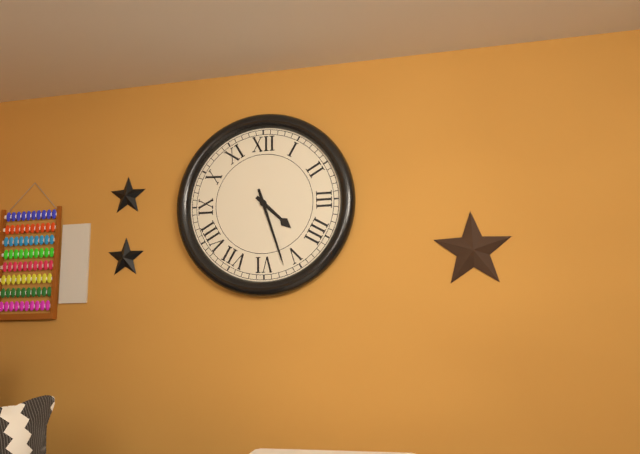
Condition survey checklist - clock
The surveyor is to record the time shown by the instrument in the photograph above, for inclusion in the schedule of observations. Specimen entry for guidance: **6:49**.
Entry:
**4:27**
